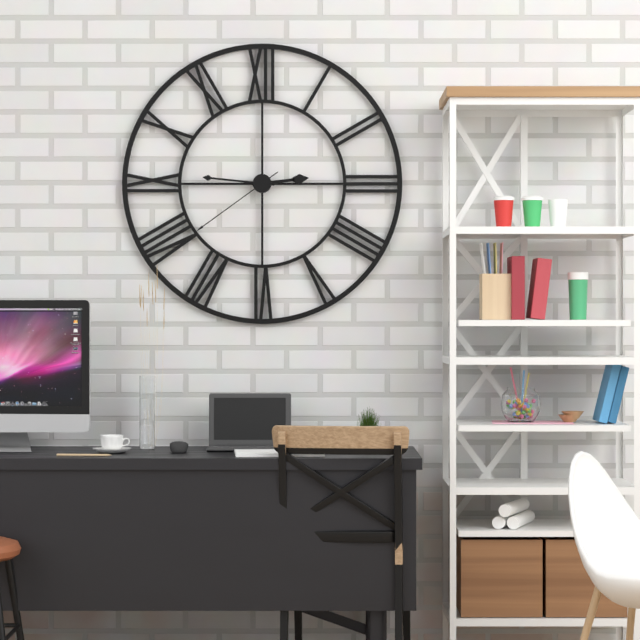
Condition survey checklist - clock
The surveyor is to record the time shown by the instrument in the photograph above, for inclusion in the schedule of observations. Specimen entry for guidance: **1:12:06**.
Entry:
**2:46:39**
